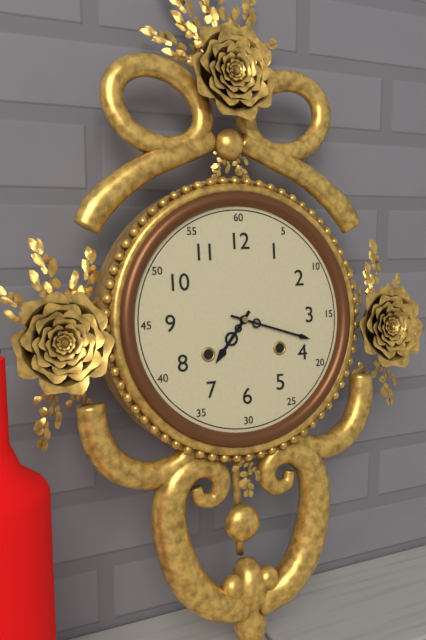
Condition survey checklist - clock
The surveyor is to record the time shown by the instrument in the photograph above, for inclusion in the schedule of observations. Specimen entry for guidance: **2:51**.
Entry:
**7:18**
